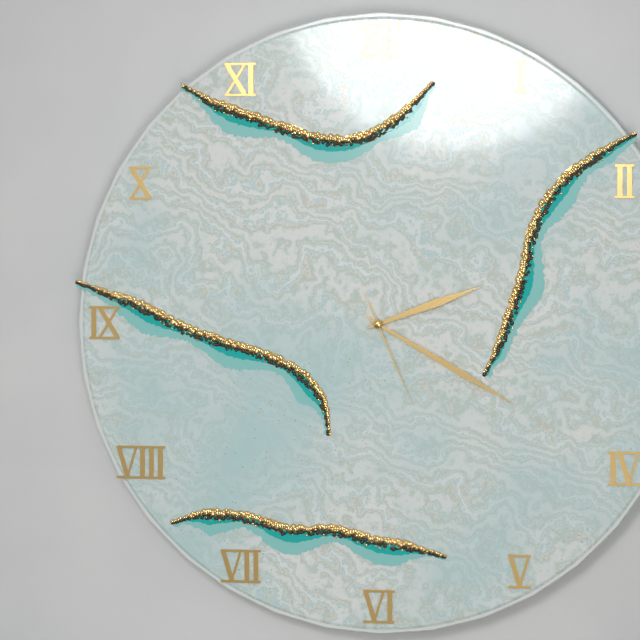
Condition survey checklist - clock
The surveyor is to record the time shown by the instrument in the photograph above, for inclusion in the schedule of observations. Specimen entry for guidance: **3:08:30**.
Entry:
**2:20:26**
